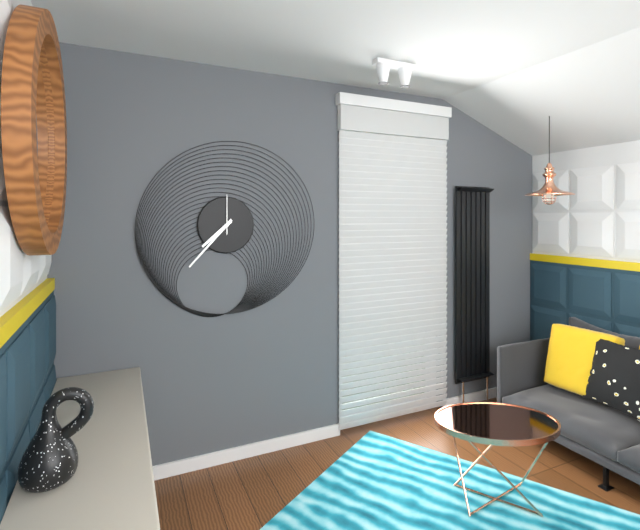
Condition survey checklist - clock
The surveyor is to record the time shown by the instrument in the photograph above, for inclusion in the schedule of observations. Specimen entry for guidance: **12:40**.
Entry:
**7:37**
